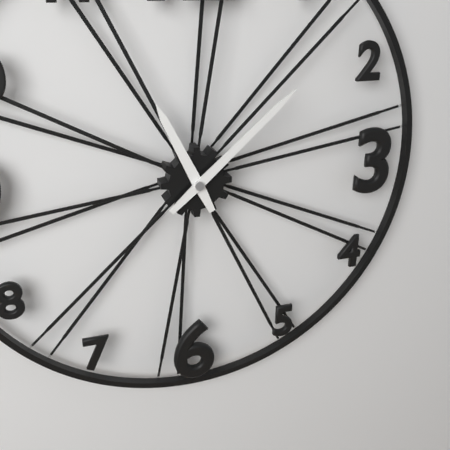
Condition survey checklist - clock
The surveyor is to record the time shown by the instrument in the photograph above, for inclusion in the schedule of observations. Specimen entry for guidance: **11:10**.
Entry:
**11:08**
